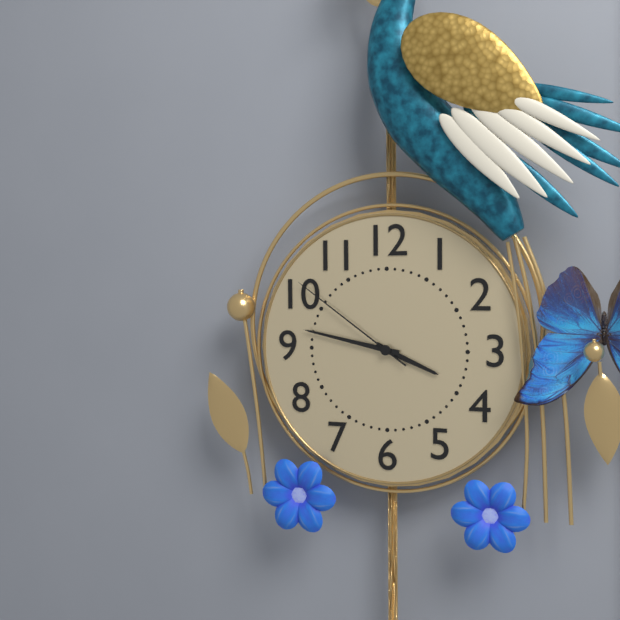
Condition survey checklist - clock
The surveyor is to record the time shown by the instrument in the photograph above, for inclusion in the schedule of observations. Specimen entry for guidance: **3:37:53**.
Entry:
**3:47:51**
